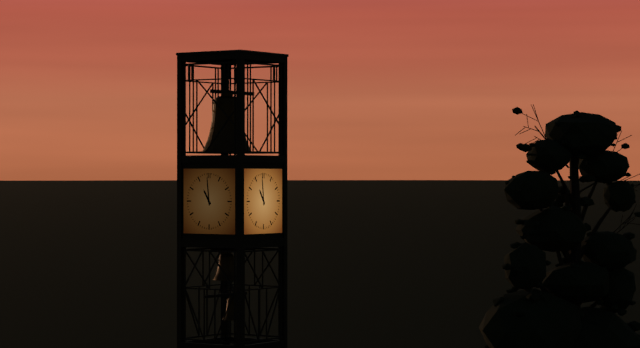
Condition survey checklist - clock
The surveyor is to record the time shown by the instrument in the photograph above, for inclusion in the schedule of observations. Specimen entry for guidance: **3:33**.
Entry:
**10:59**
